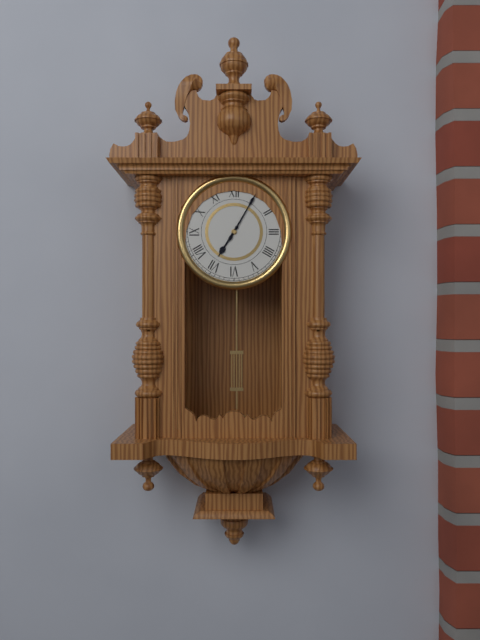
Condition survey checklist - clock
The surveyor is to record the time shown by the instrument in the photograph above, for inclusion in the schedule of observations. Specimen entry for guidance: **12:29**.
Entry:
**7:05**
